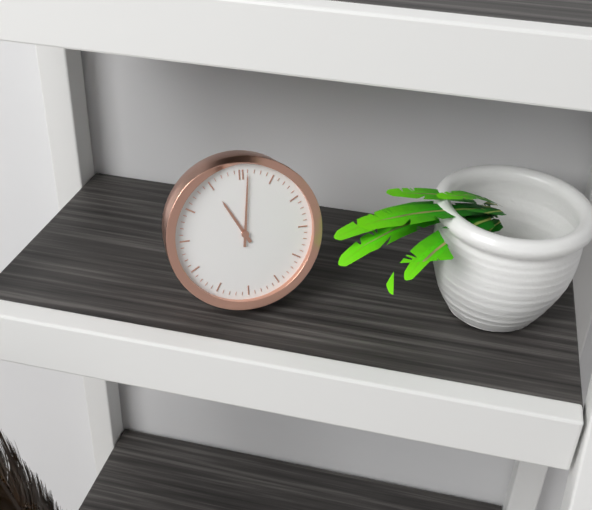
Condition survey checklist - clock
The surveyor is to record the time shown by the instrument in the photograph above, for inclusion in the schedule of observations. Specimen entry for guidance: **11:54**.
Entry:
**11:01**
